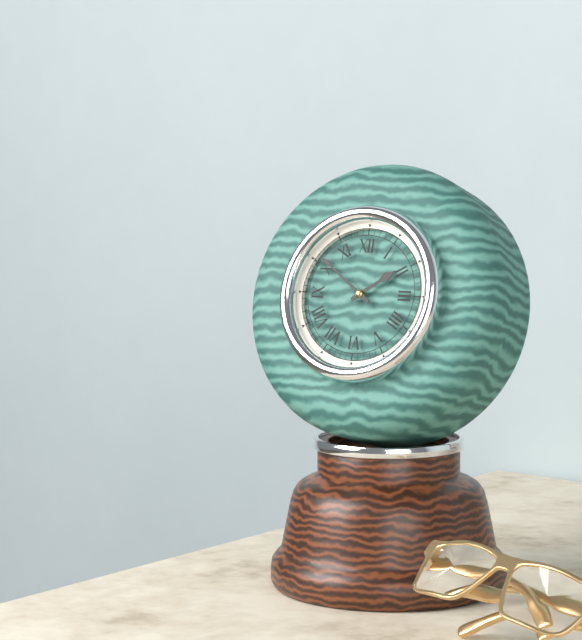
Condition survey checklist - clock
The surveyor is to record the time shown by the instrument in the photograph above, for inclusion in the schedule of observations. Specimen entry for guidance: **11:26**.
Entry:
**1:51**
